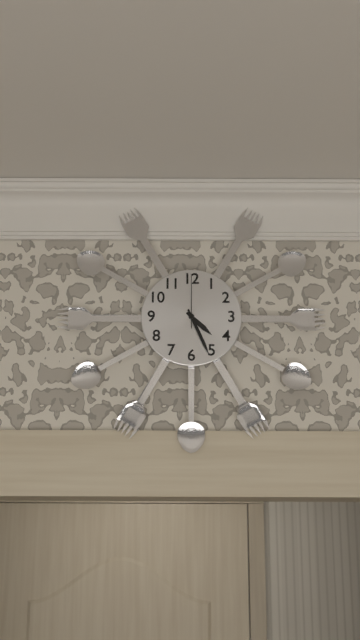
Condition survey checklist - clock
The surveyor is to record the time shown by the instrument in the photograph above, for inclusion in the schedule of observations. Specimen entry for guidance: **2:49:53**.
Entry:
**4:26:00**
